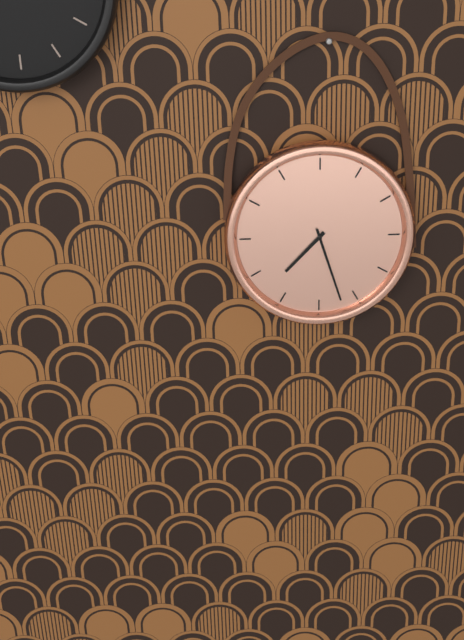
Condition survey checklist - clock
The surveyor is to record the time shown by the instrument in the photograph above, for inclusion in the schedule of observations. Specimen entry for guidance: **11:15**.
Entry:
**7:27**
